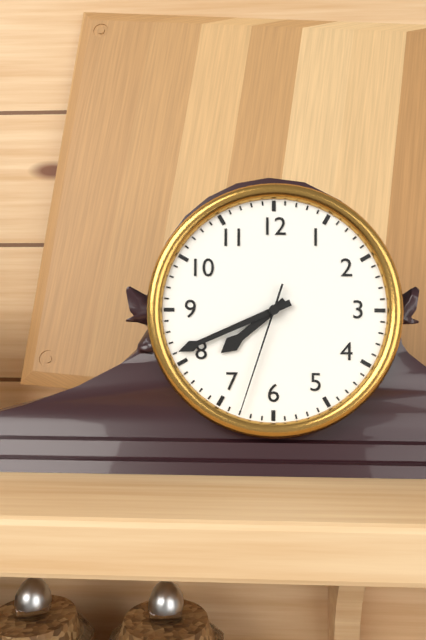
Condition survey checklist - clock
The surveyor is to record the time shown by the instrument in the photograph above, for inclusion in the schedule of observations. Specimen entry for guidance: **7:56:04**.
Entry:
**7:41:33**
